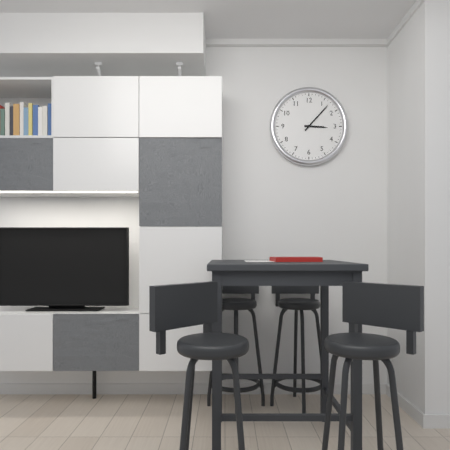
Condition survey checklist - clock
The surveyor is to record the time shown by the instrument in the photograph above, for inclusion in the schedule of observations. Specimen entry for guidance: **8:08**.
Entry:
**3:07**
